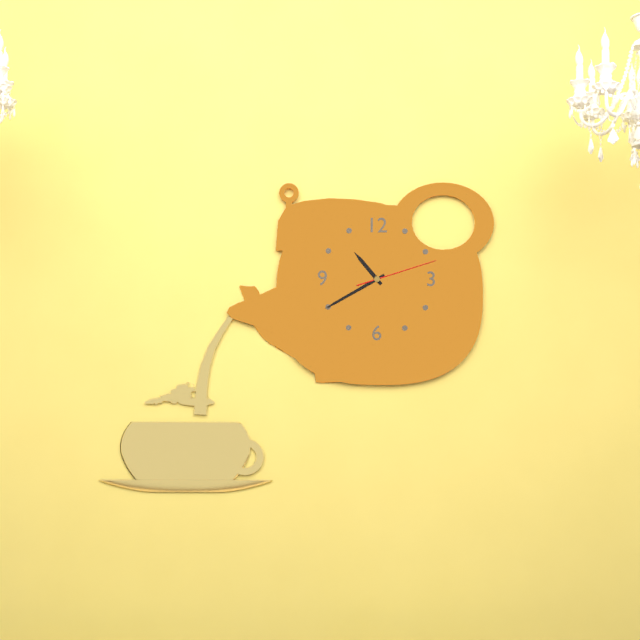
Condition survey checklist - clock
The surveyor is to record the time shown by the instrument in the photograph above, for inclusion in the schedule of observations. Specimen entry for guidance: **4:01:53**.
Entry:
**10:40:12**
